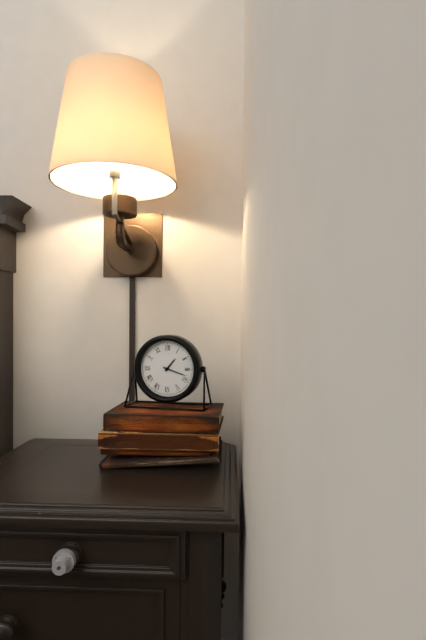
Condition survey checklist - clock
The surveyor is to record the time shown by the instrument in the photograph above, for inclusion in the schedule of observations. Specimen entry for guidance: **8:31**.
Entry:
**1:18**
